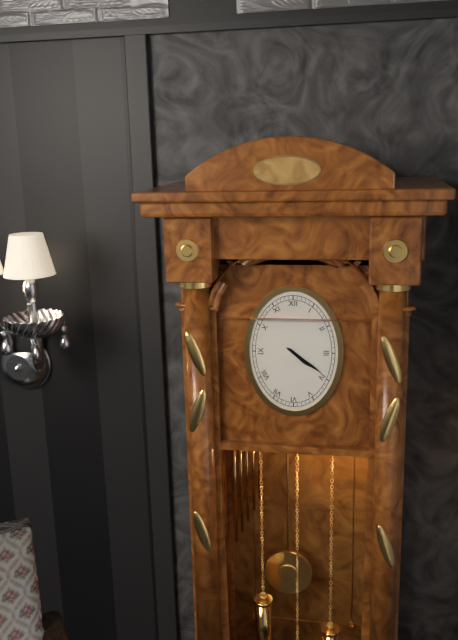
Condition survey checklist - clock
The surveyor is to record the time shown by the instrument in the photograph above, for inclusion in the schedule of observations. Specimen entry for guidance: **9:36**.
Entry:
**4:21**
